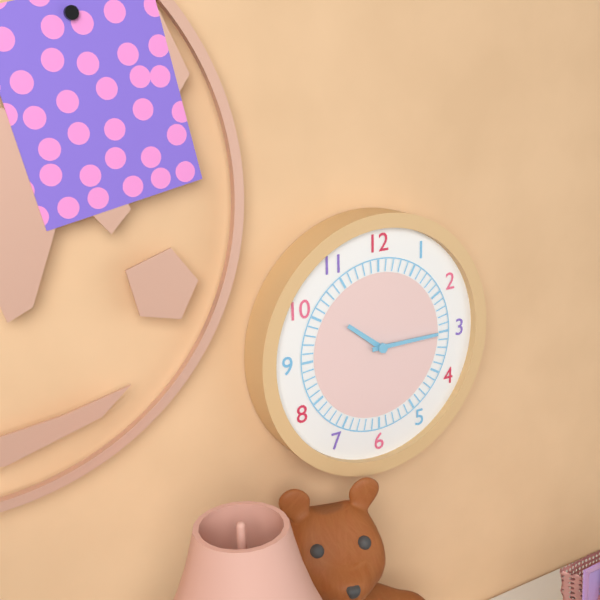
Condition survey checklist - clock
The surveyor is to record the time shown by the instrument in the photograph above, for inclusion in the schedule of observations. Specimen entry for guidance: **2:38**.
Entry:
**10:15**
